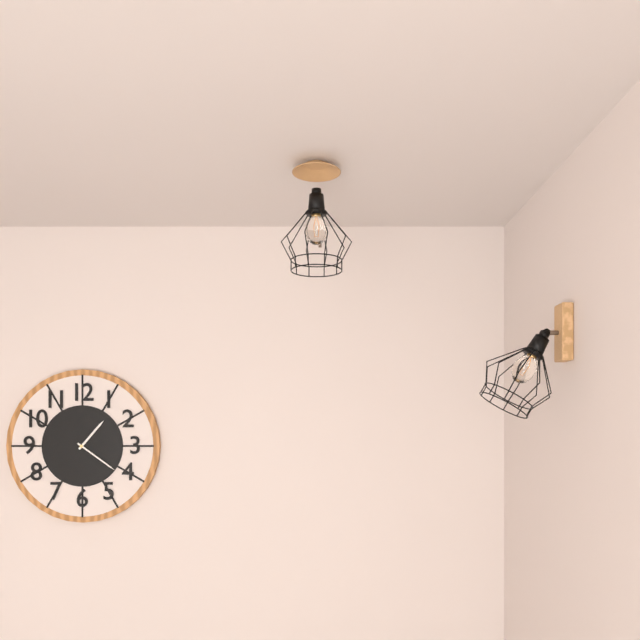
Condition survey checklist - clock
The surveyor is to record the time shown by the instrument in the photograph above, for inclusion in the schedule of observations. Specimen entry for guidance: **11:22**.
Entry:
**1:21**
